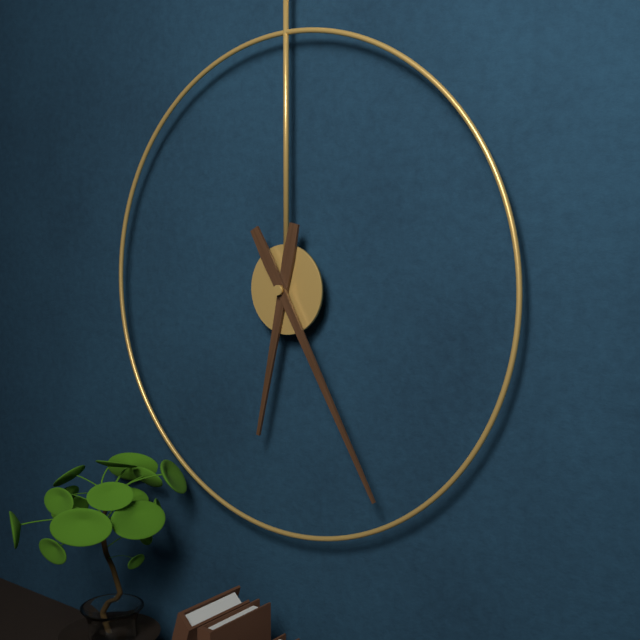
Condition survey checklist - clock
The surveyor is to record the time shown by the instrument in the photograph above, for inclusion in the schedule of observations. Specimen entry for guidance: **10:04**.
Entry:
**6:25**
